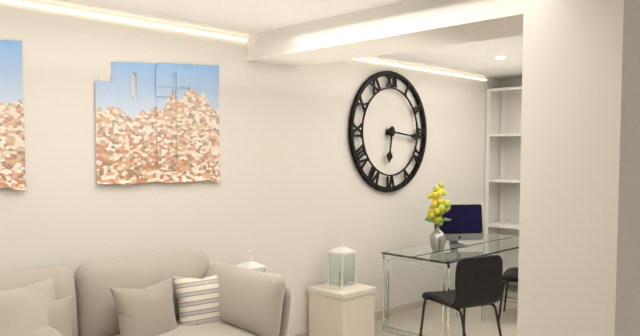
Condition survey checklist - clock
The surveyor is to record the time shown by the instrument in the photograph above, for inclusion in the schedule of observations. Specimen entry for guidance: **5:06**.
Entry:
**6:16**
